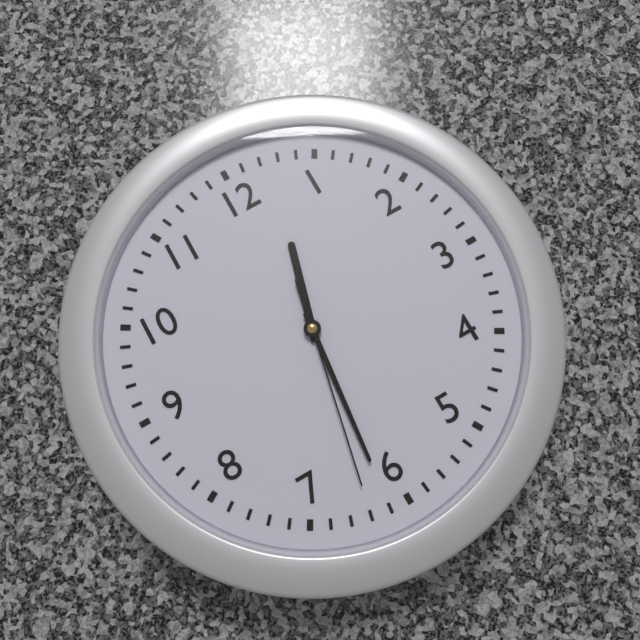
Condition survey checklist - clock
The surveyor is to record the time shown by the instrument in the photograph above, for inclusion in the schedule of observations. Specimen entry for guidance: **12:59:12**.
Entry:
**12:31:32**
